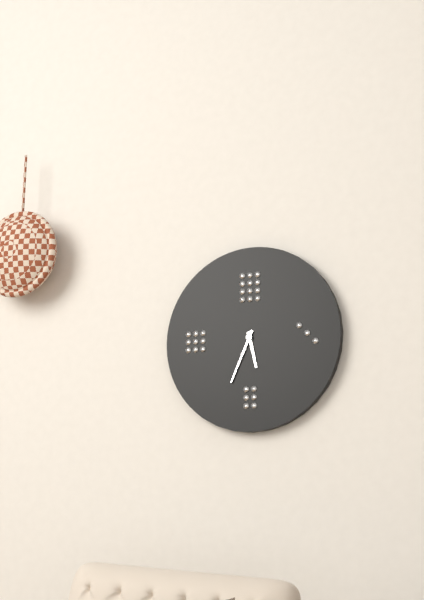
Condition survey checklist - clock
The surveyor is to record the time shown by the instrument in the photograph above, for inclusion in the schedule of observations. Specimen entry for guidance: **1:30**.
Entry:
**5:34**
